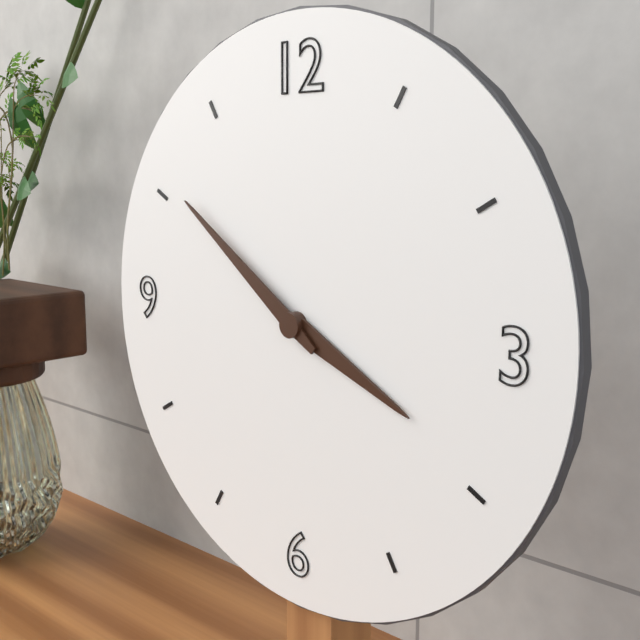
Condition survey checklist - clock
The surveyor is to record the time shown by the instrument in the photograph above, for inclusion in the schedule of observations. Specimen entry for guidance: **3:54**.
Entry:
**3:51**
